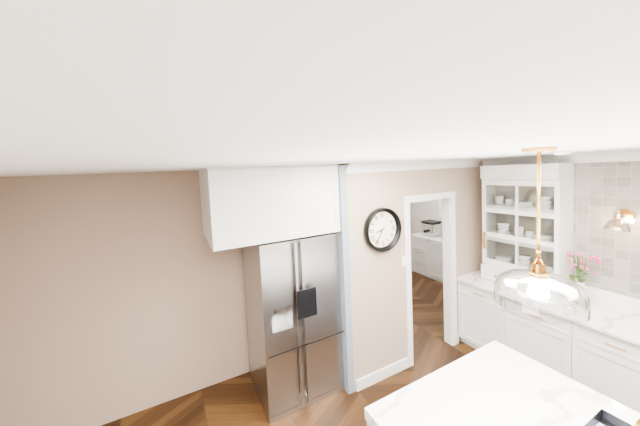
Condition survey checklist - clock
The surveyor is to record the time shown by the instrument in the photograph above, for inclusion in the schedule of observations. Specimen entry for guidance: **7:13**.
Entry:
**8:36**
